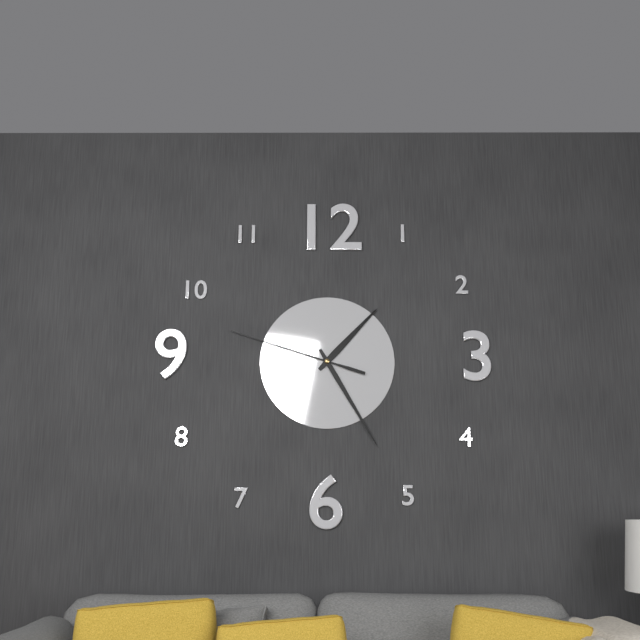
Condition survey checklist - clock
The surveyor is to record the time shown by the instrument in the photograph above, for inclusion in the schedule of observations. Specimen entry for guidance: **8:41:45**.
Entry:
**1:25:48**
